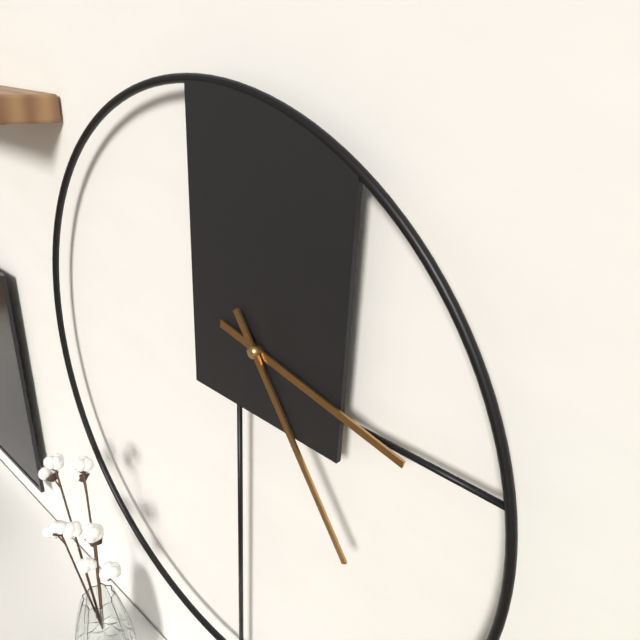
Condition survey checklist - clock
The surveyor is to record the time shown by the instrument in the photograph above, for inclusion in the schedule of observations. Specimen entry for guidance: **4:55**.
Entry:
**3:24**
